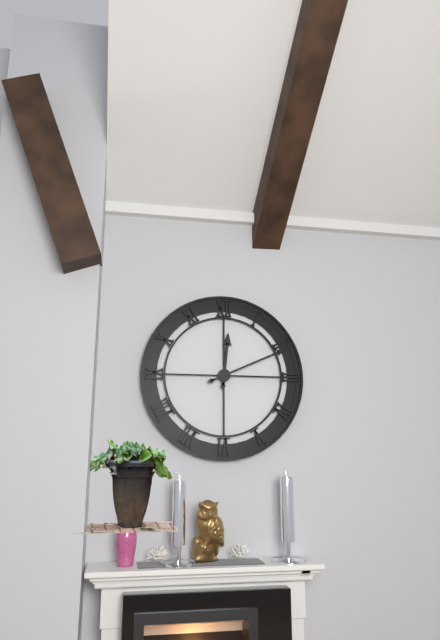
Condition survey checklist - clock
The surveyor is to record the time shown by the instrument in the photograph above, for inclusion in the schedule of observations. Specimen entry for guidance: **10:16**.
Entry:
**12:11**
